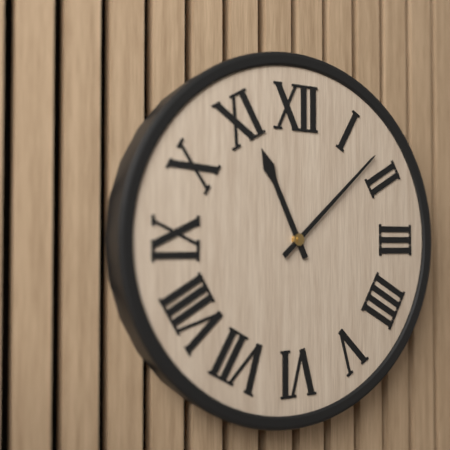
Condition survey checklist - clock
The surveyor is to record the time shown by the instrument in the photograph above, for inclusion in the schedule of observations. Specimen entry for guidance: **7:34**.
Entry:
**11:08**
